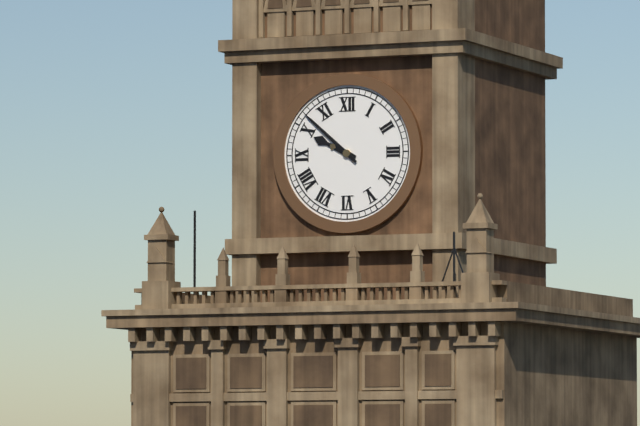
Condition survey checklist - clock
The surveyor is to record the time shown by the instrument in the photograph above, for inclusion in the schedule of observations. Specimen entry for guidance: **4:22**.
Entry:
**9:52**
